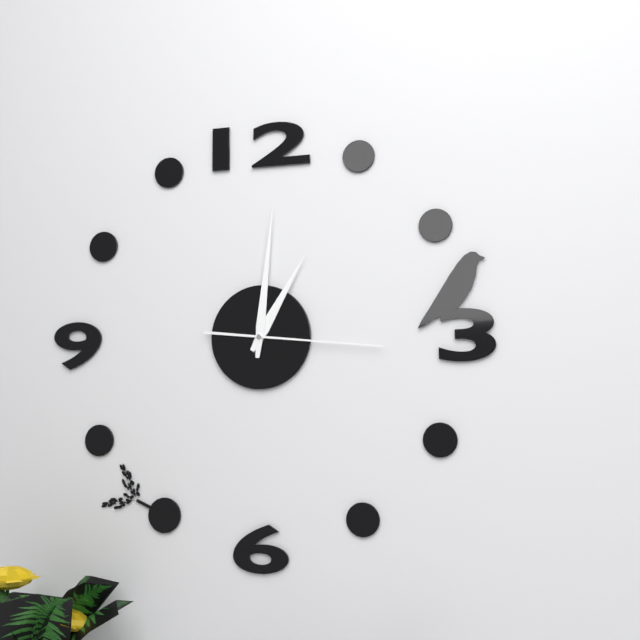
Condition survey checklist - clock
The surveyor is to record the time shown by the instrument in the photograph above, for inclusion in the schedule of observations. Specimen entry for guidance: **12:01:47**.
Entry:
**1:01:16**
